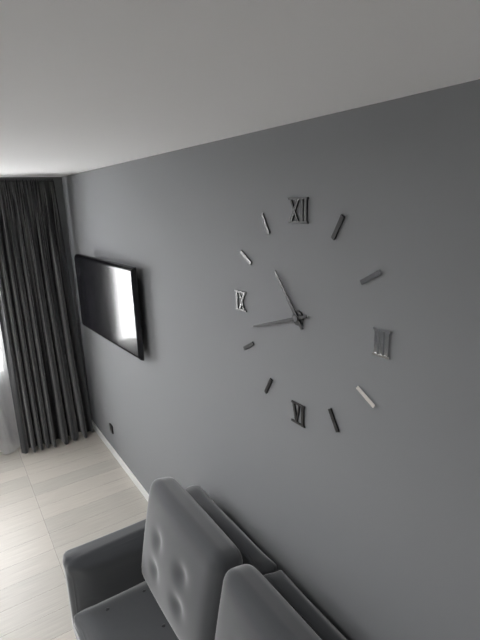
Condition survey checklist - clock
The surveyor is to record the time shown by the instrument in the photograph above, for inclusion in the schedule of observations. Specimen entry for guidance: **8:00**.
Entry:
**10:42**
